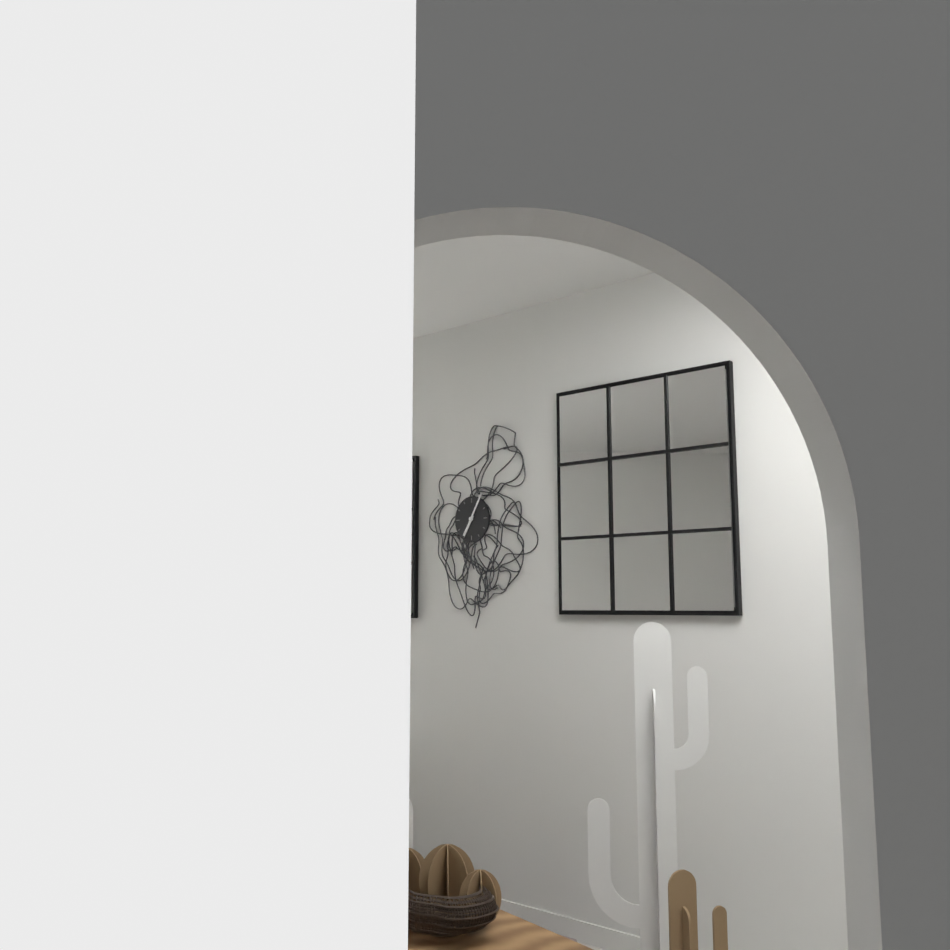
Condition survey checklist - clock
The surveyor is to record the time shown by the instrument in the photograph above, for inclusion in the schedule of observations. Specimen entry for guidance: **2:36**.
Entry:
**7:05**
